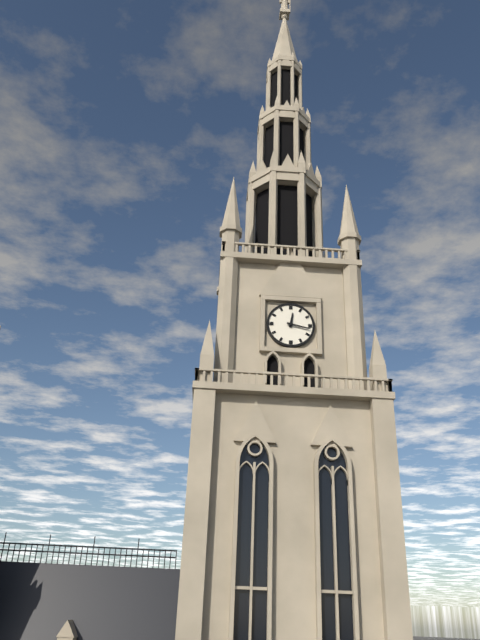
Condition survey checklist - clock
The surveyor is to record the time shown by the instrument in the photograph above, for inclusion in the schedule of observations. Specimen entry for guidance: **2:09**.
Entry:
**12:17**
